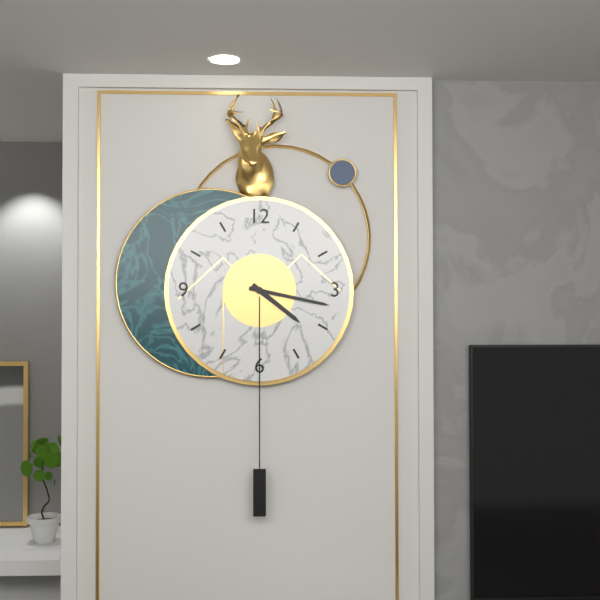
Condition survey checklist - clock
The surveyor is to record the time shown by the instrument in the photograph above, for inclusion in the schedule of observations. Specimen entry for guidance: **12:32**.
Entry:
**4:17**
